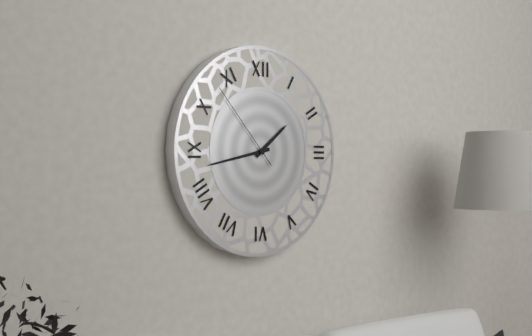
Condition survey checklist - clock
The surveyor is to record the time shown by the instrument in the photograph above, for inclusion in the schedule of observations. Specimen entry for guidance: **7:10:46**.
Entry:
**1:43:53**
